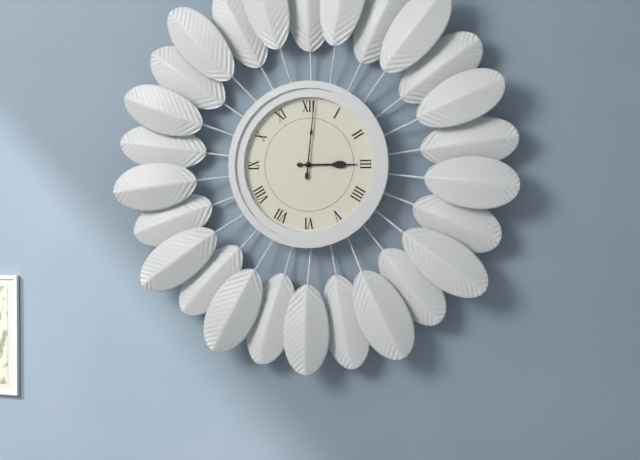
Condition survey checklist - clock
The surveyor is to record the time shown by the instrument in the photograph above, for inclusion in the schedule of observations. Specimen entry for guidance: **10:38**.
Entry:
**3:01**
